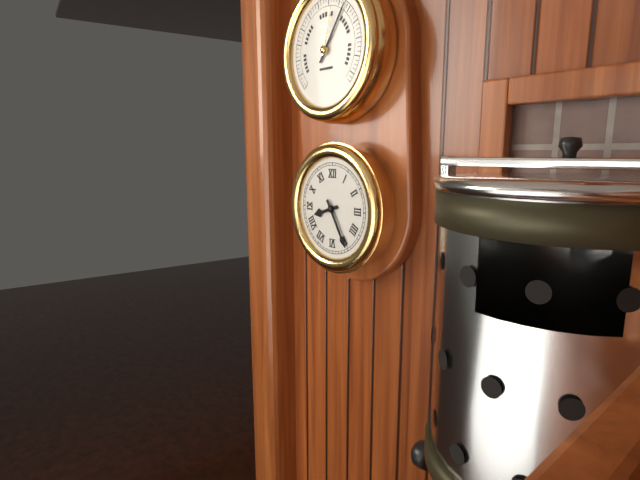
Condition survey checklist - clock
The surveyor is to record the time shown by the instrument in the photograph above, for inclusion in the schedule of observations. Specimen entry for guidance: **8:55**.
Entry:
**8:25**
